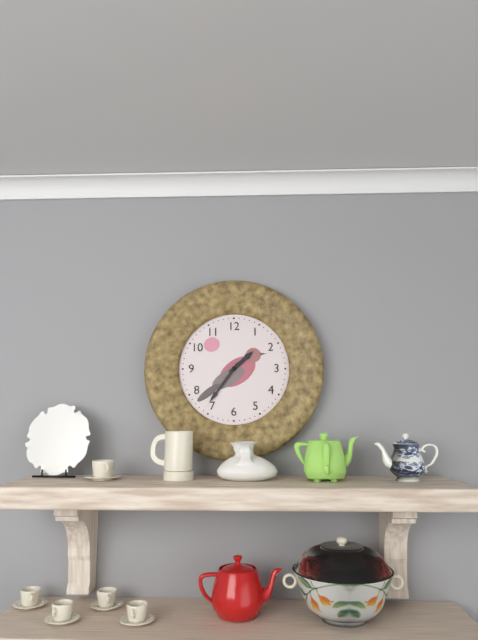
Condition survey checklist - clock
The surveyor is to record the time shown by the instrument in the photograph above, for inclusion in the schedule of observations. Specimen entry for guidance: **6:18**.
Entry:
**1:36**
